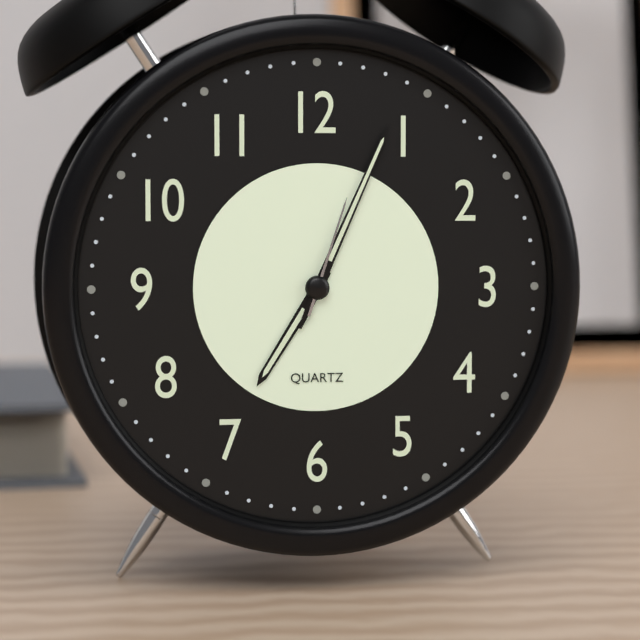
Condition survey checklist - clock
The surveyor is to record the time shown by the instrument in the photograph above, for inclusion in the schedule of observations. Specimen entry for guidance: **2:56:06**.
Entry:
**7:04:03**
